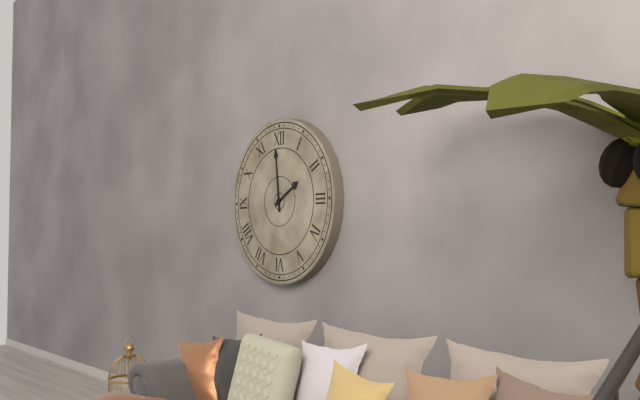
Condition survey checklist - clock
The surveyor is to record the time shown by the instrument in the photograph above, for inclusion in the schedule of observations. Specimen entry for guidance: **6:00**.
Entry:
**1:59**
